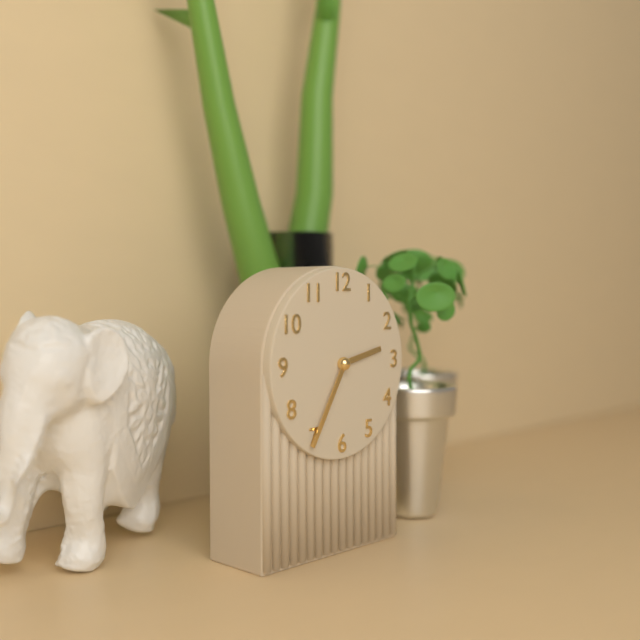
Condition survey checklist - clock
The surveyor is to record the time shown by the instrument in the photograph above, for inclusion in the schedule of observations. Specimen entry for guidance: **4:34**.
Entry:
**2:35**
